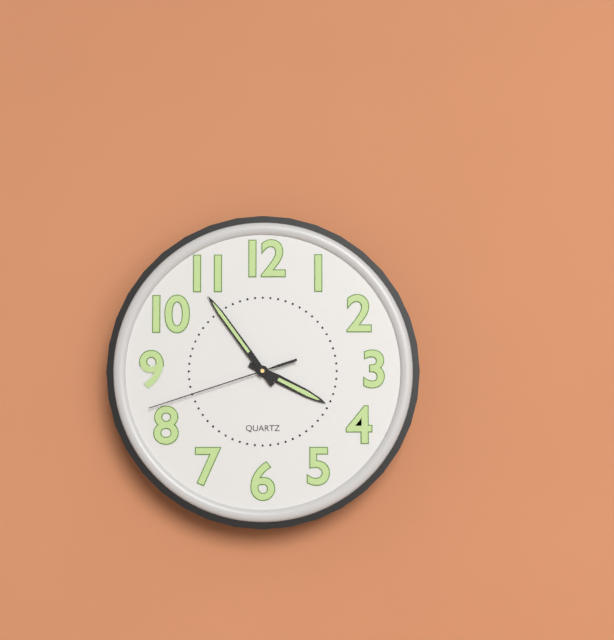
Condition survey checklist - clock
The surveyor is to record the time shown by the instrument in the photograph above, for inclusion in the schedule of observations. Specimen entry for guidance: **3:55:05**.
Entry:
**3:54:42**
